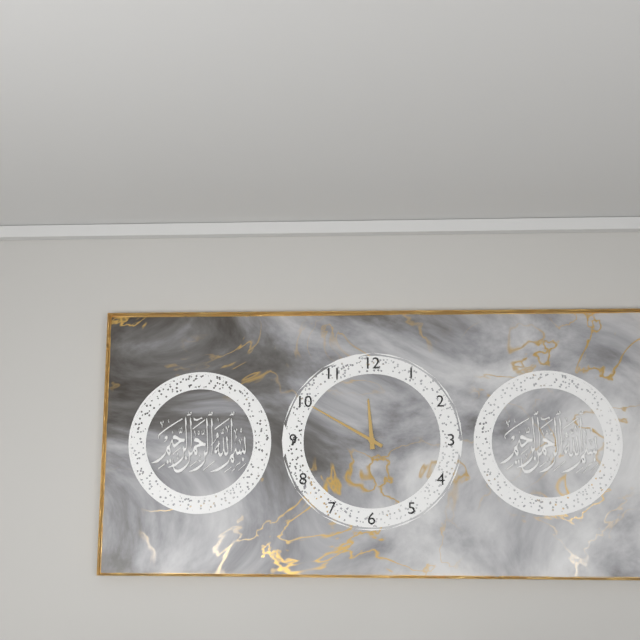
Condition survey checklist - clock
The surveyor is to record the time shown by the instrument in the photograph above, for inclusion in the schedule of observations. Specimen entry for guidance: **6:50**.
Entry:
**11:50**
